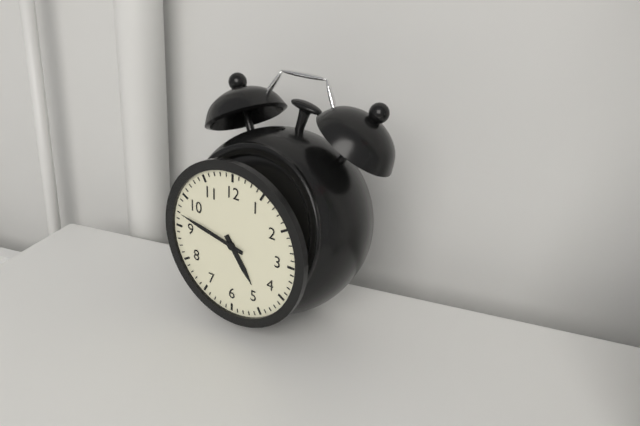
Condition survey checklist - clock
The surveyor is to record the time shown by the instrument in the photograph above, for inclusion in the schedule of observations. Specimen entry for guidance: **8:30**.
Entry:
**4:47**
